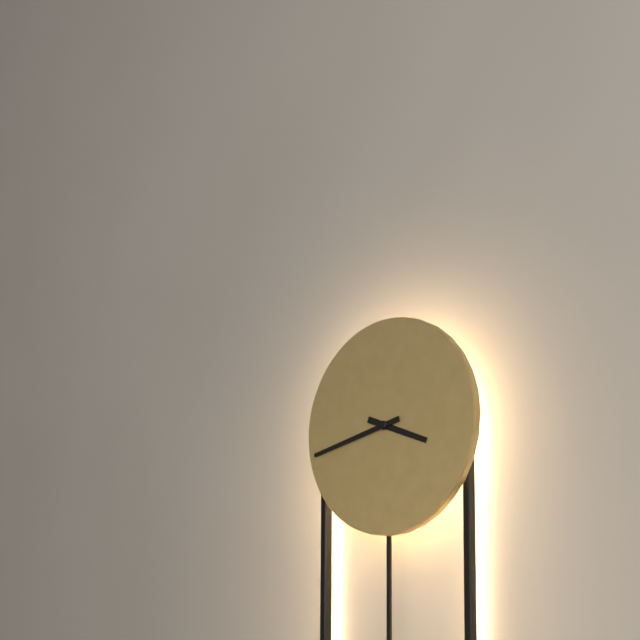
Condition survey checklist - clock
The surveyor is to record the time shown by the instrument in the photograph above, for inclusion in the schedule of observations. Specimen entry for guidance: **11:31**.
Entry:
**3:43**
